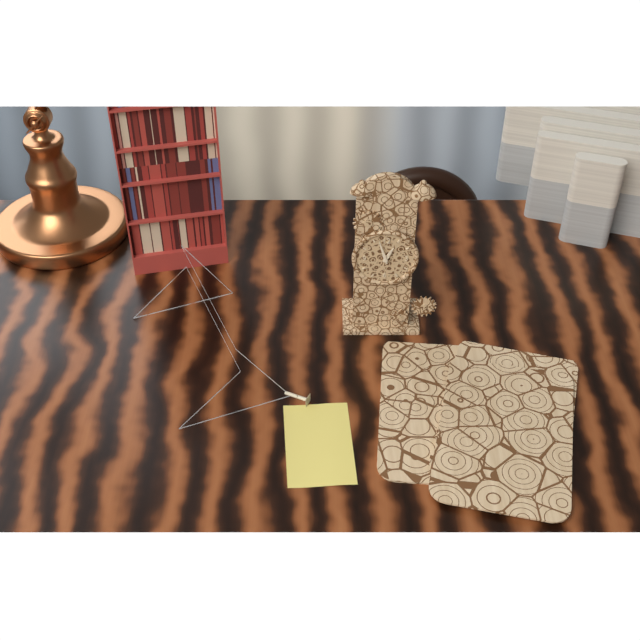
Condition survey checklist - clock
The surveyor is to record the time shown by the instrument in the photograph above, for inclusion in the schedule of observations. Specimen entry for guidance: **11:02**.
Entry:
**12:57**
